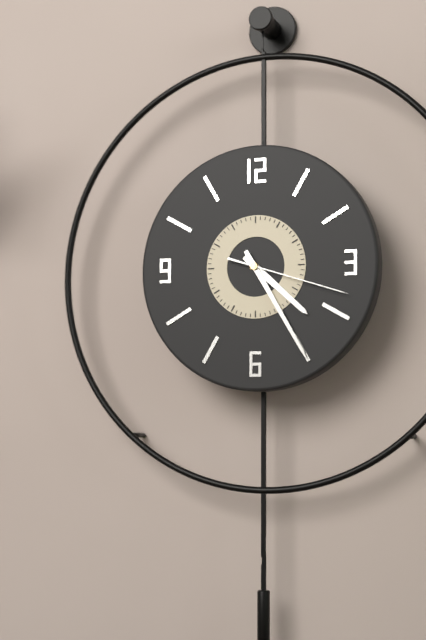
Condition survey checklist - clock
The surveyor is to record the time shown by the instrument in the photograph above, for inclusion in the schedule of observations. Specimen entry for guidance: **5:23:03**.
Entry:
**4:25:18**
